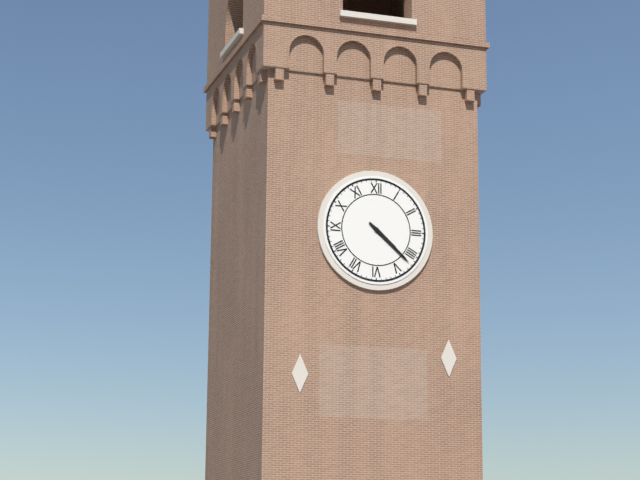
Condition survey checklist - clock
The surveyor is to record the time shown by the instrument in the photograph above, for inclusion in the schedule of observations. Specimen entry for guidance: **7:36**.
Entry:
**4:22**
